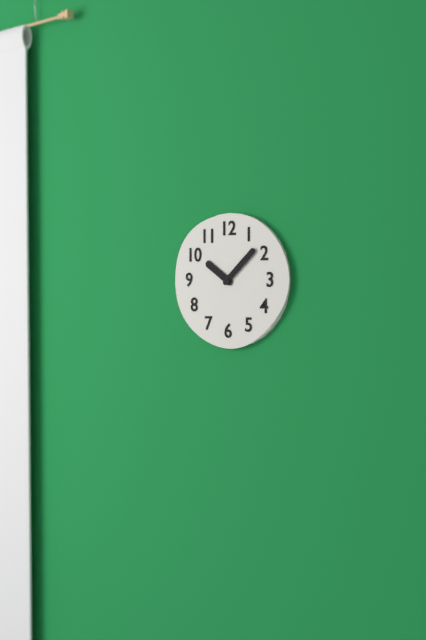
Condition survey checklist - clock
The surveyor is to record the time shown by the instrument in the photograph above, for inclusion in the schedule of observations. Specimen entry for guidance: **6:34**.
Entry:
**10:08**
